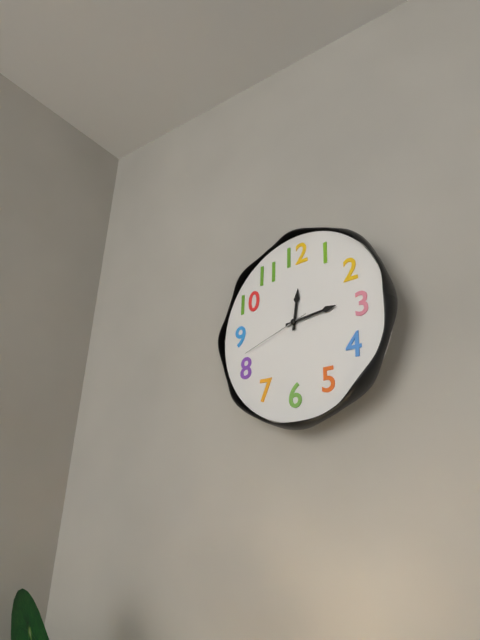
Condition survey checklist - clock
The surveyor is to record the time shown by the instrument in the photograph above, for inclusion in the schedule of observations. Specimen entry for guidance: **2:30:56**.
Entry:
**12:14:42**
